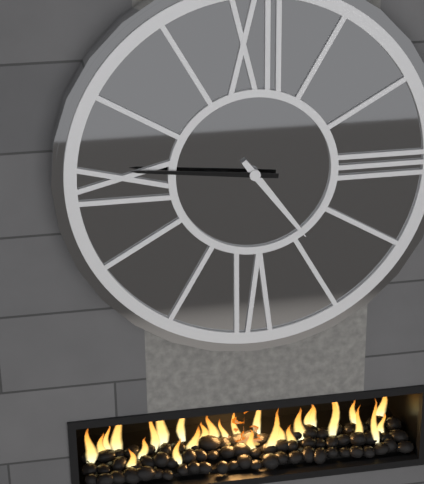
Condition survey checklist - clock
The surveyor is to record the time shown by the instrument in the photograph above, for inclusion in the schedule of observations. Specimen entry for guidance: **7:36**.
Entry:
**4:46**
